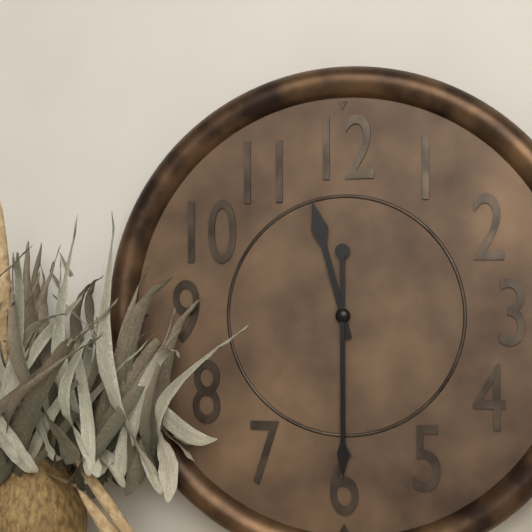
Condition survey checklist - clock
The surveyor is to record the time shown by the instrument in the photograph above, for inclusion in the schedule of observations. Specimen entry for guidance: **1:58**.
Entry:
**11:30**
